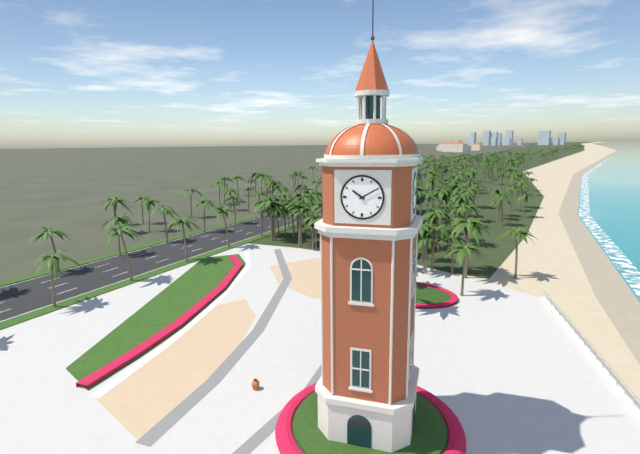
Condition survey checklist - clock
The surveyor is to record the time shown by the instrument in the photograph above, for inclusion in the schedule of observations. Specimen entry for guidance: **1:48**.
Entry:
**10:10**
